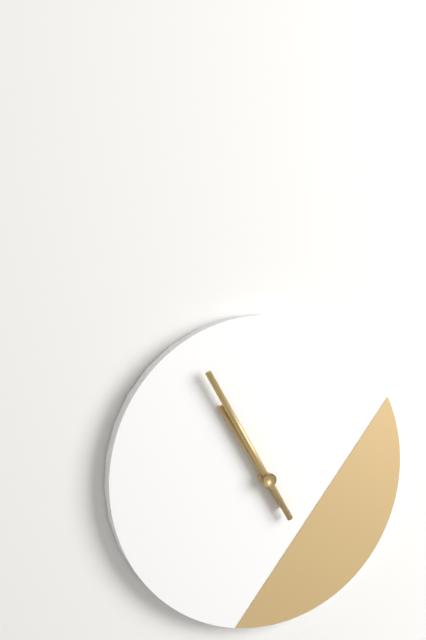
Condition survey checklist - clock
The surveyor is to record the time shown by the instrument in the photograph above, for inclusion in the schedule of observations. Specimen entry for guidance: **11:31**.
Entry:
**10:55**
